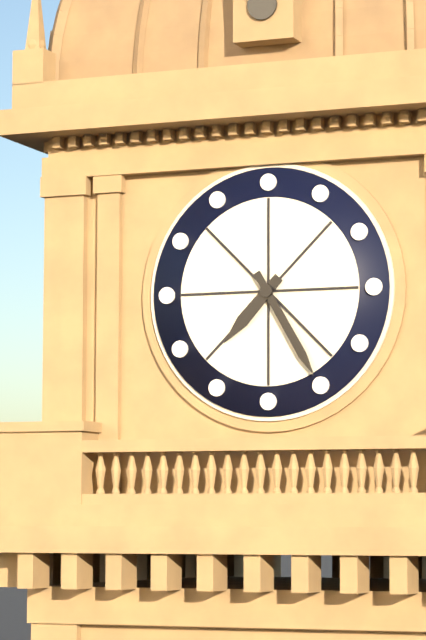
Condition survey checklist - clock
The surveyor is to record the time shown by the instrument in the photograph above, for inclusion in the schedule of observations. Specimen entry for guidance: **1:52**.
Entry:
**7:25**
